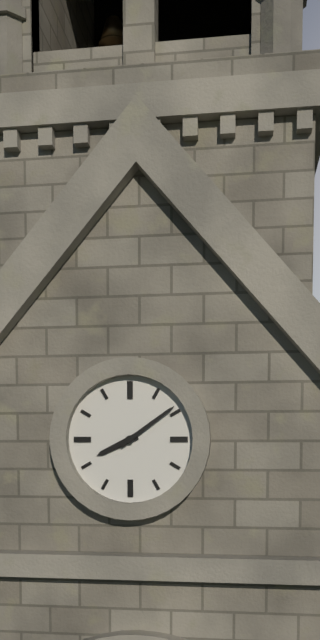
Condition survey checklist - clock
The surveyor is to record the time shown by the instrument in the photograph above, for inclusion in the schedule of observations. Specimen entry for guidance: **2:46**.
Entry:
**8:09**
